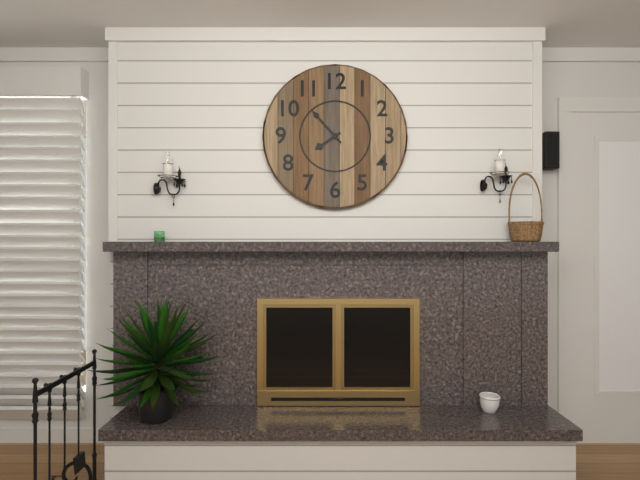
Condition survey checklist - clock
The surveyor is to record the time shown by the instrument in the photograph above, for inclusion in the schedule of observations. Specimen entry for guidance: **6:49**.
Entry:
**7:53**
